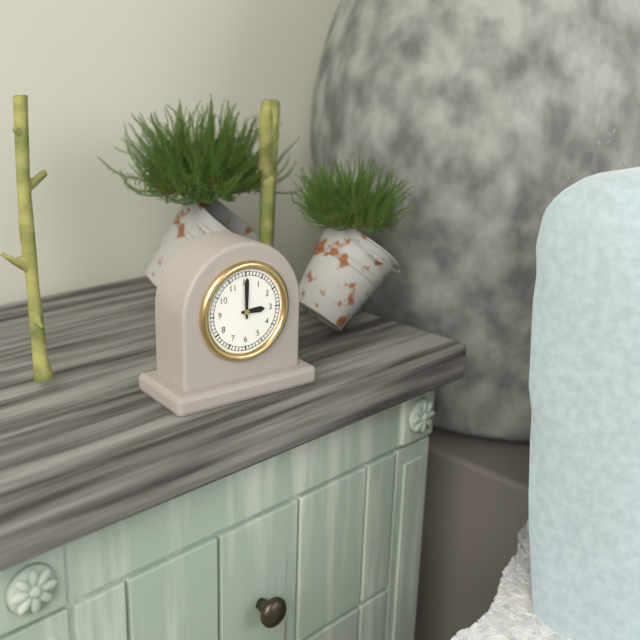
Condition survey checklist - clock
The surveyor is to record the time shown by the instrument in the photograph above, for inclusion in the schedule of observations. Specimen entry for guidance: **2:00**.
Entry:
**3:00**
